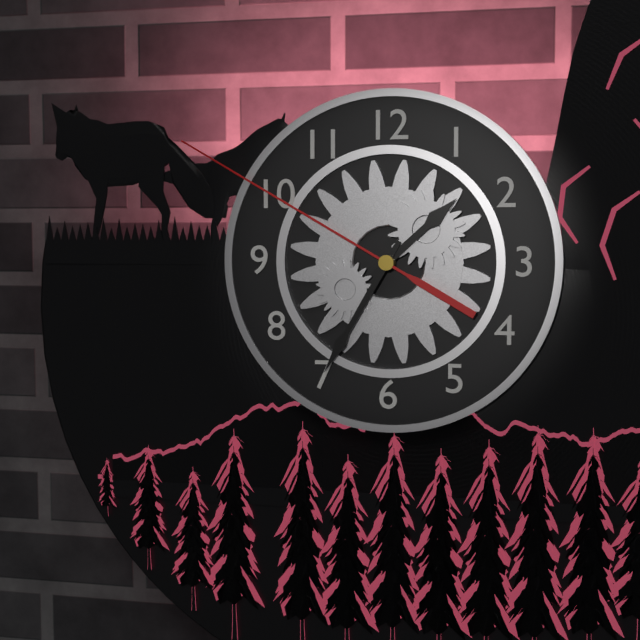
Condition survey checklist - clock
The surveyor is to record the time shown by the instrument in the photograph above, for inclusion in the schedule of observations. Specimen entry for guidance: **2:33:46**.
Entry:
**1:35:50**
